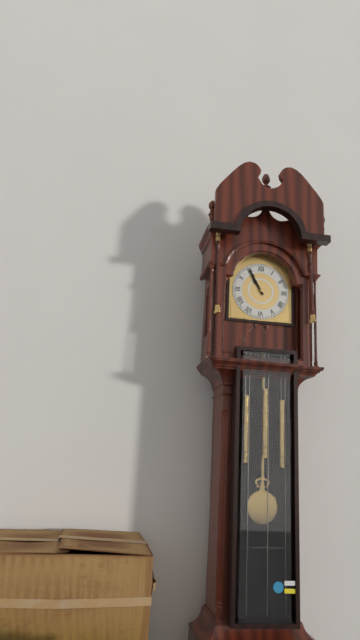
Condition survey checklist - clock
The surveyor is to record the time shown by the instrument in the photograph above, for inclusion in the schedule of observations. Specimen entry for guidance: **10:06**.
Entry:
**10:55**
